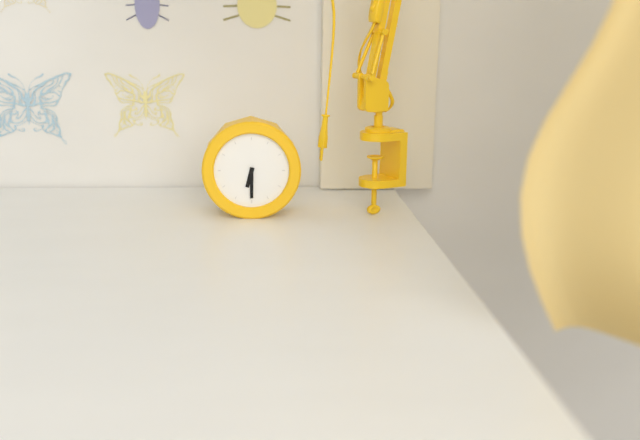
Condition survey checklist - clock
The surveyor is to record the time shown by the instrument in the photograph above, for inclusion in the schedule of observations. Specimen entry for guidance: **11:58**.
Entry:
**6:30**
